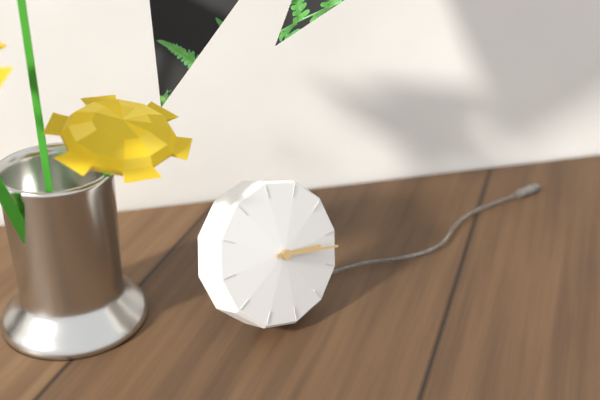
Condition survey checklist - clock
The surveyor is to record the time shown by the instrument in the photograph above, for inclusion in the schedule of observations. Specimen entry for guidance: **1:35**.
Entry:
**3:17**
